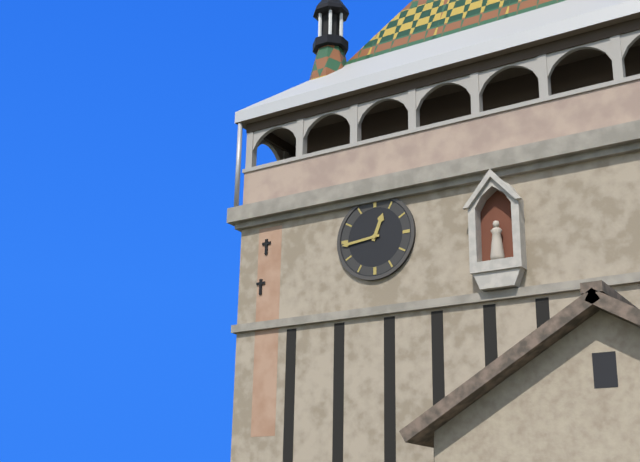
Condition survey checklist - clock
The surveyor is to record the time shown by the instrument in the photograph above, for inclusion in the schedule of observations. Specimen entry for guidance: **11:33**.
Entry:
**12:44**
